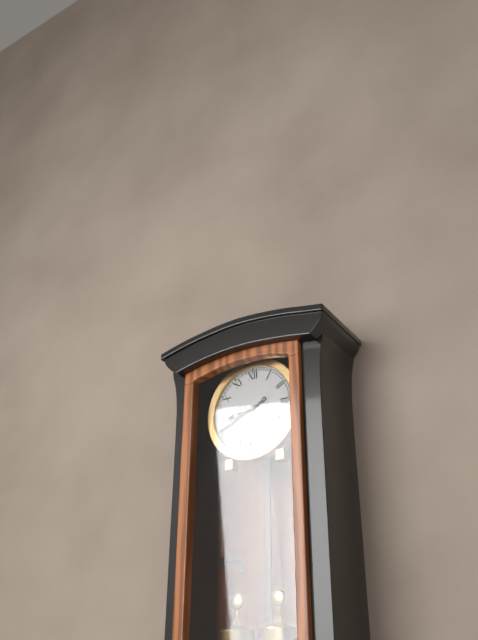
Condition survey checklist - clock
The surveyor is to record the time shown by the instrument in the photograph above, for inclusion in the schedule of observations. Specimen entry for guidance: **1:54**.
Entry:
**8:41**
